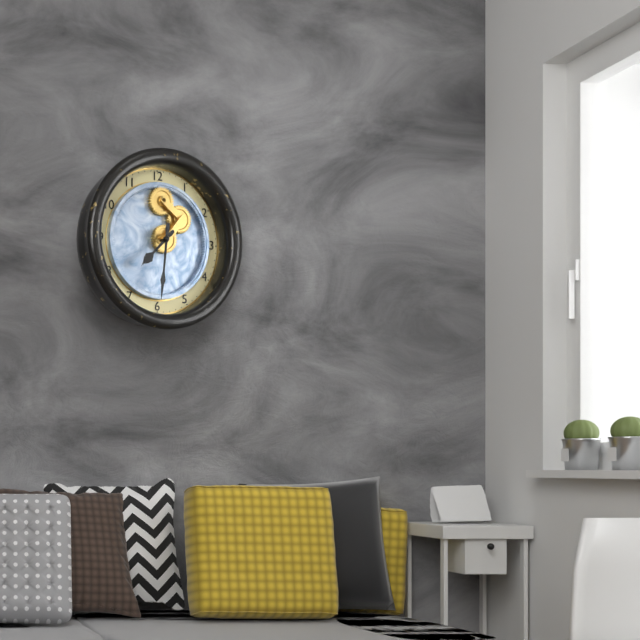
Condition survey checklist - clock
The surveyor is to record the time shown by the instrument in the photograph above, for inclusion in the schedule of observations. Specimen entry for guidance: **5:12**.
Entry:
**7:31**
